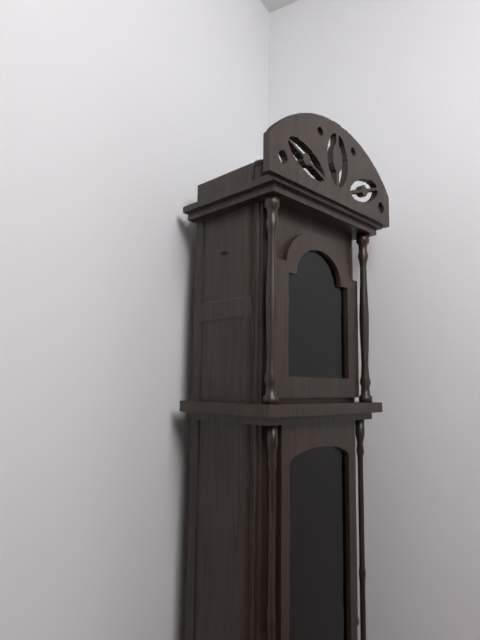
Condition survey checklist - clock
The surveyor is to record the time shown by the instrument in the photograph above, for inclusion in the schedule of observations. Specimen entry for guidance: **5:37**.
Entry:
**7:36**
